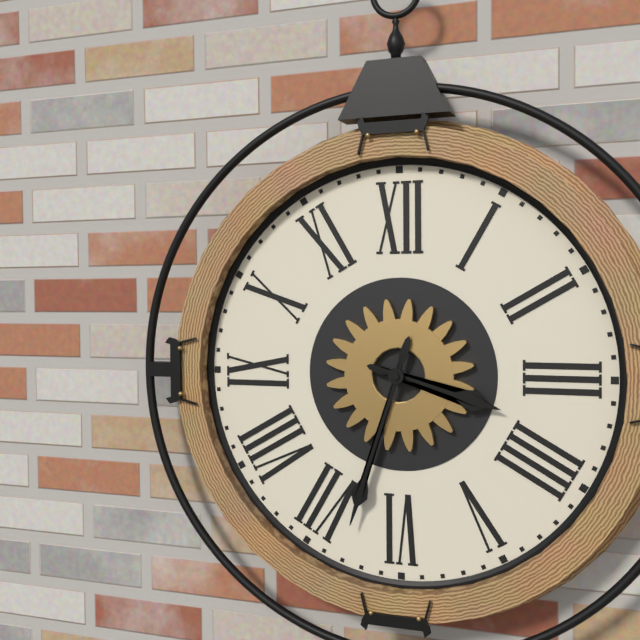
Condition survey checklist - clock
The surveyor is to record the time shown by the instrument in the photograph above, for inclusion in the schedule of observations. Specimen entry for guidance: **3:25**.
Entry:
**3:33**
